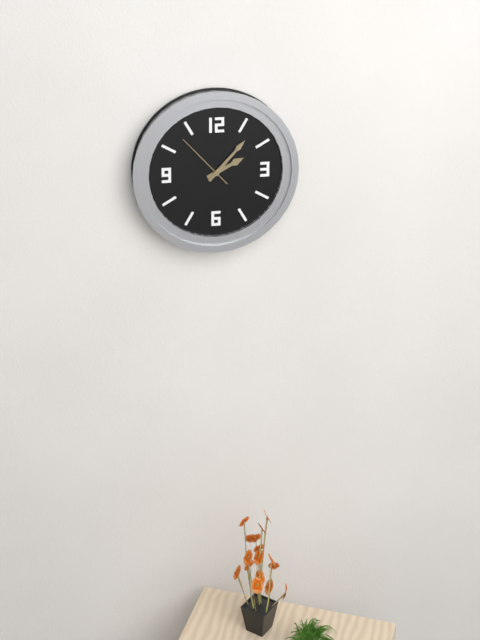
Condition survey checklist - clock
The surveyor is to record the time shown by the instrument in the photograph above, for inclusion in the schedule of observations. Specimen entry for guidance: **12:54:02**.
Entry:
**2:07:53**
